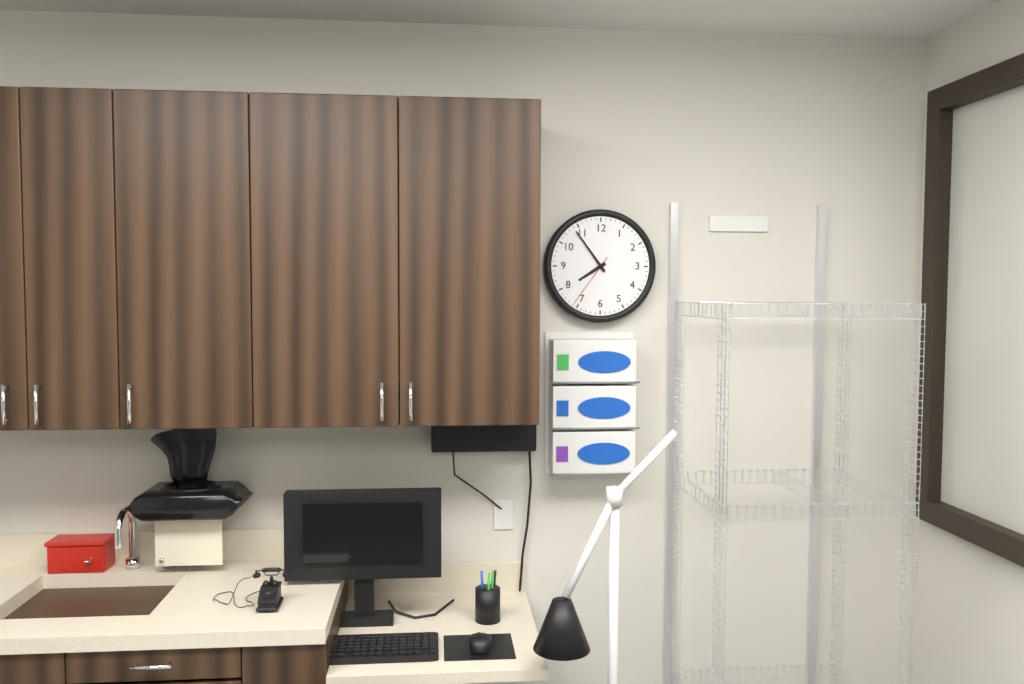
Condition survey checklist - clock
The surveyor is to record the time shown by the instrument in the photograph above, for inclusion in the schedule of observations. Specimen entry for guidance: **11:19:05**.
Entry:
**7:54:36**
